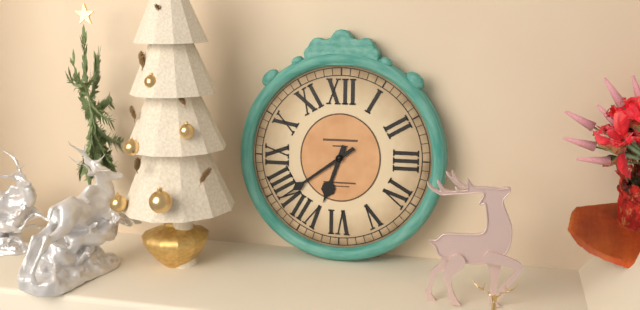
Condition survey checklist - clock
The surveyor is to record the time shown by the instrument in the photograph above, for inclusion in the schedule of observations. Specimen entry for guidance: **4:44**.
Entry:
**6:39**
